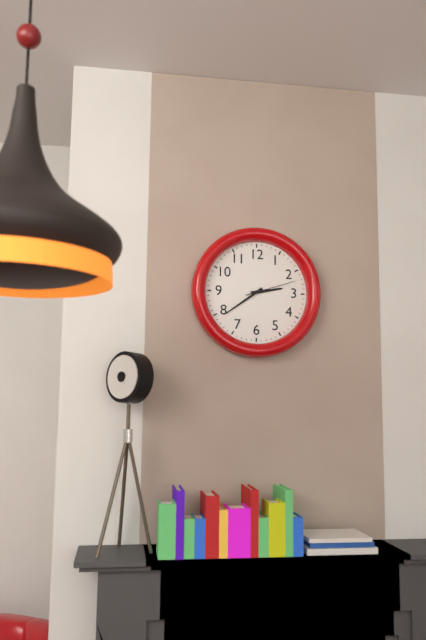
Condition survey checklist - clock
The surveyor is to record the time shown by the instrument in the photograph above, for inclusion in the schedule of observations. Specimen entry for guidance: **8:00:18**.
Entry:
**2:39:12**
